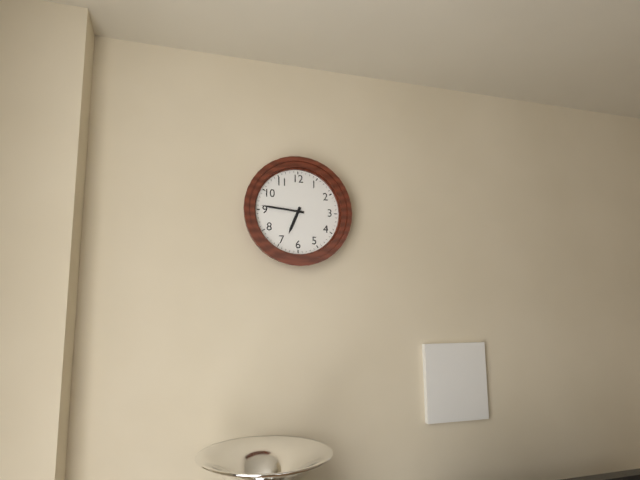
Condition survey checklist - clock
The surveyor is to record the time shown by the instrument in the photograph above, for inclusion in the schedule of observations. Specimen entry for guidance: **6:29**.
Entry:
**6:46**
